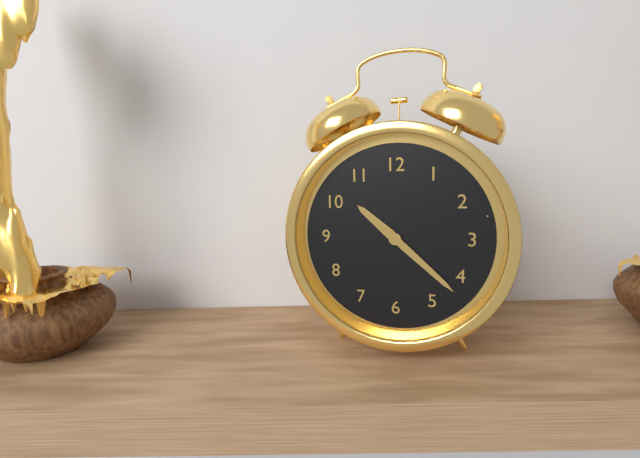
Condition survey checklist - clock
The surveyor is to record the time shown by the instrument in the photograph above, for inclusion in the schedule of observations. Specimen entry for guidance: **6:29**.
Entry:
**10:22**
